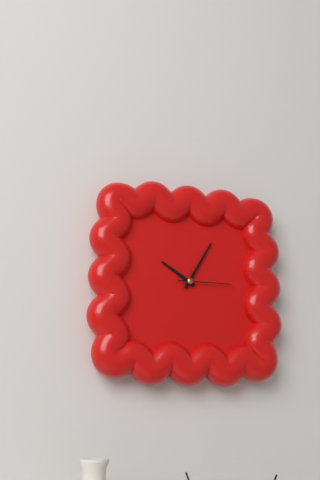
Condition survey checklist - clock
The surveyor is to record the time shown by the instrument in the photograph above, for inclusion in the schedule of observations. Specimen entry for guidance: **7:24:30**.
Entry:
**10:05:15**
